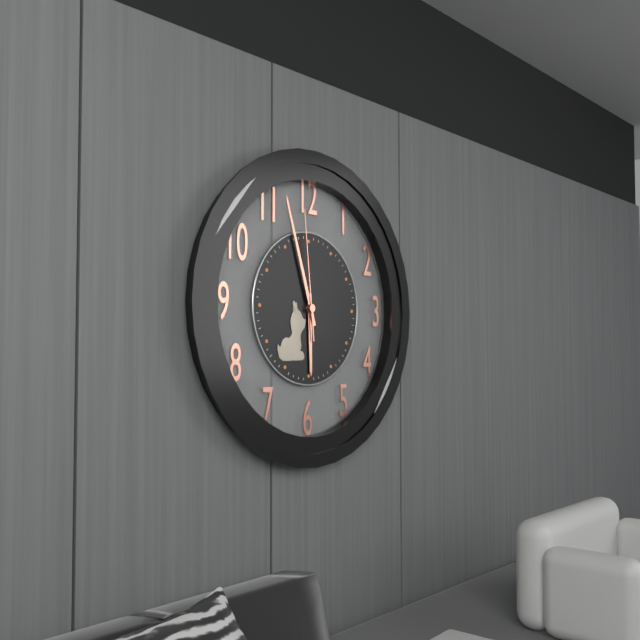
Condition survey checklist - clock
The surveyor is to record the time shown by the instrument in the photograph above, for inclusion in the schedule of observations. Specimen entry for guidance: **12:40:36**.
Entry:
**5:57:59**
